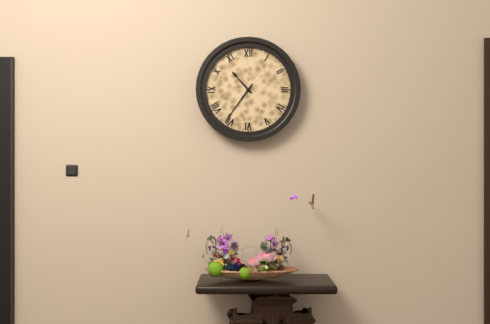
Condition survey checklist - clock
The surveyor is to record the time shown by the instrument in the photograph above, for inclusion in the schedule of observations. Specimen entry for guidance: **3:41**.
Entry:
**10:36**
